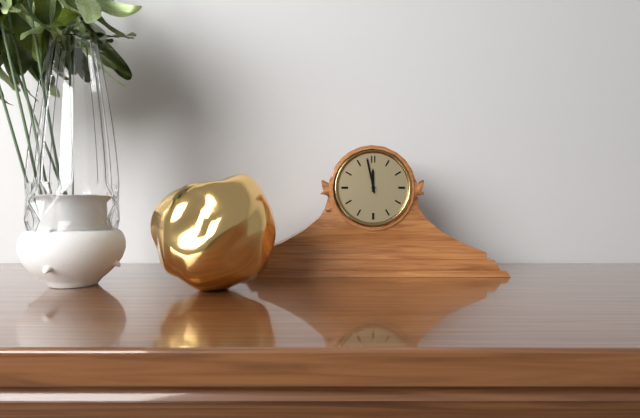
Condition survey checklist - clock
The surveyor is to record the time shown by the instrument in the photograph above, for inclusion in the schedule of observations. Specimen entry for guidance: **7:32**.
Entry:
**11:58**
